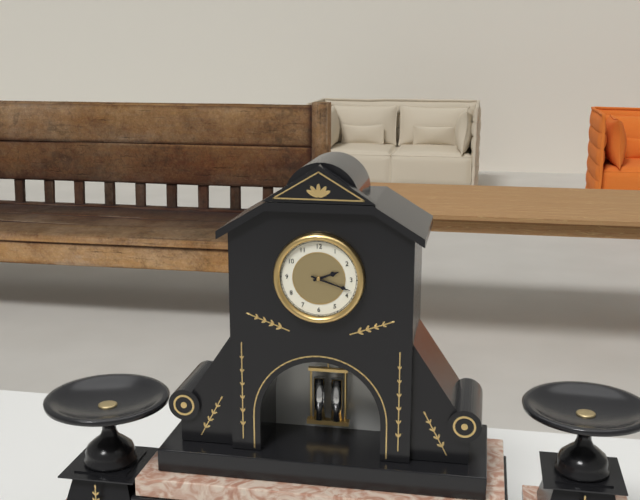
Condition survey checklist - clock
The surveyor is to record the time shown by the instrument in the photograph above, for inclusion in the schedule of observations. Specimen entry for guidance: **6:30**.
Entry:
**2:18**
